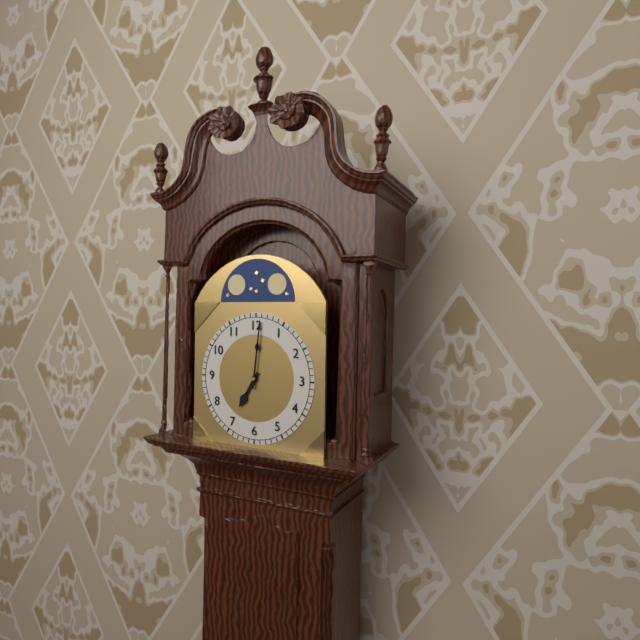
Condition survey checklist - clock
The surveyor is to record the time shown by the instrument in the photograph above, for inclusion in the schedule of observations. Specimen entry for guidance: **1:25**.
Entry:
**7:01**
